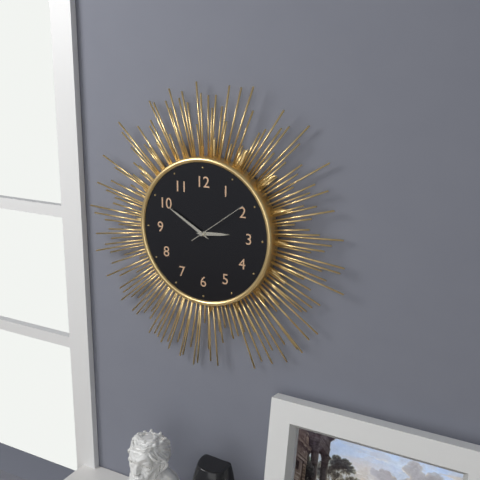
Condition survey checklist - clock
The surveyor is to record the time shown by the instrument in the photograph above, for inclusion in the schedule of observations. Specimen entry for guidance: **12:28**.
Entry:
**2:50**
